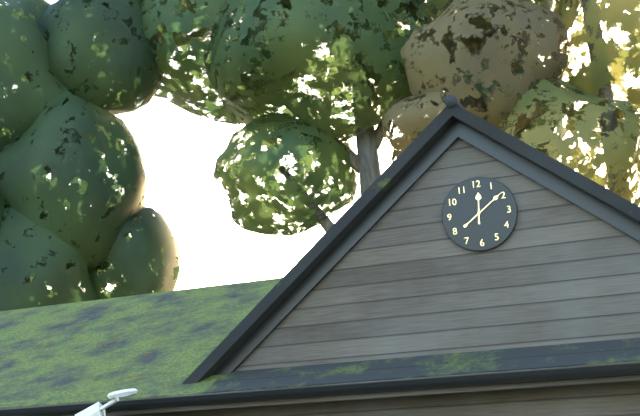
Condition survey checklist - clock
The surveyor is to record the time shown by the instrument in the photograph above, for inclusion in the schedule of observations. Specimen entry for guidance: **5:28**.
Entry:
**12:09**
